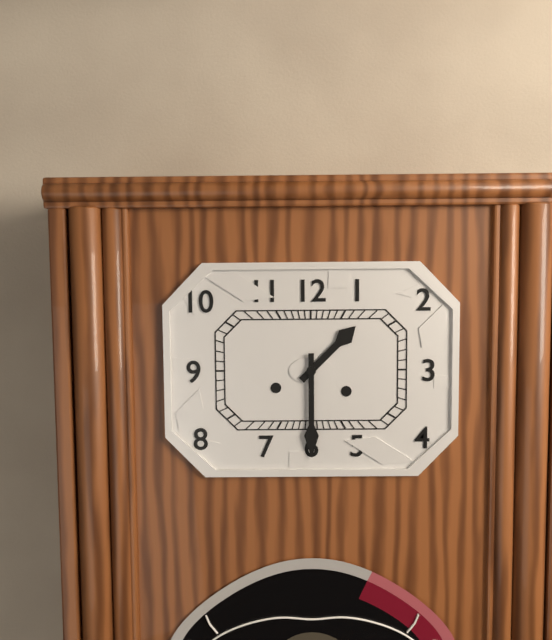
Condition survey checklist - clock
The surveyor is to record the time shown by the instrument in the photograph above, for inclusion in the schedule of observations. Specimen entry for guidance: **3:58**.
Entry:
**1:30**
